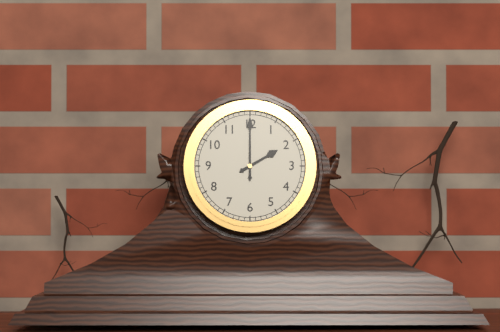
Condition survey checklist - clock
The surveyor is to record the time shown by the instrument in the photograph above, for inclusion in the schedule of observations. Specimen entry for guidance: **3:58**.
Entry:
**2:00**
